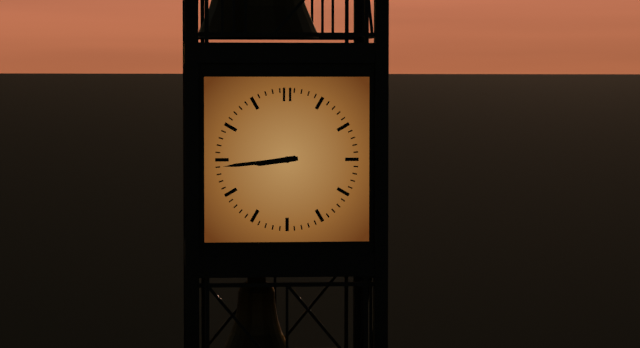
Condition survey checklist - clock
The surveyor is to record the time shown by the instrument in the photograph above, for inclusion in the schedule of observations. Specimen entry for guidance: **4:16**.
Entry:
**8:44**
